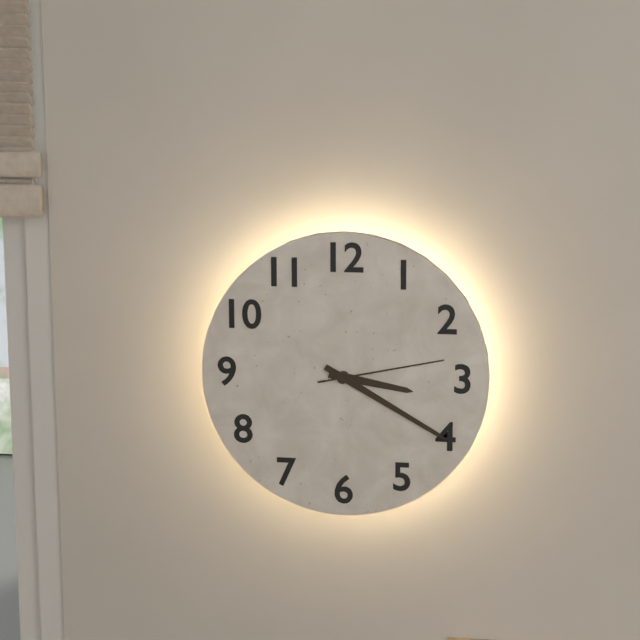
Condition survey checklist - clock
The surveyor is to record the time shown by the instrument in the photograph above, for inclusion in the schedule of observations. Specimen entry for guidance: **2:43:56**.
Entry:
**3:20:13**
